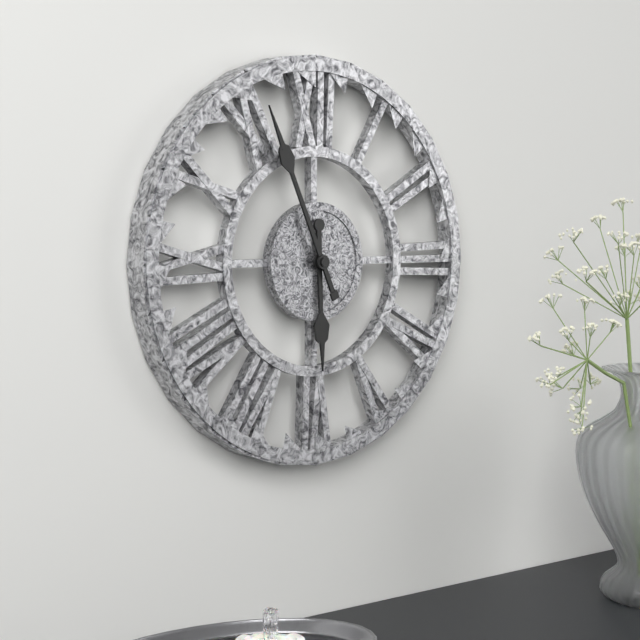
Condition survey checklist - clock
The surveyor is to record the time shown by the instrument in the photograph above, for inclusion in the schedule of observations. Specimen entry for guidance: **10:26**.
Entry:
**5:56**
